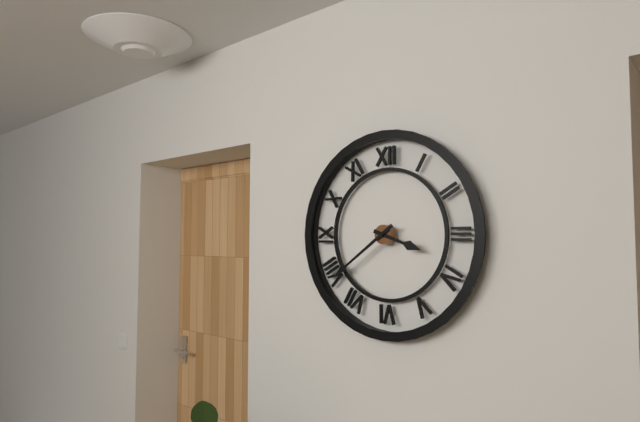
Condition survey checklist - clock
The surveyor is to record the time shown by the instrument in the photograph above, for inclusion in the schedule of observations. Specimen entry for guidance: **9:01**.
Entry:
**3:39**
